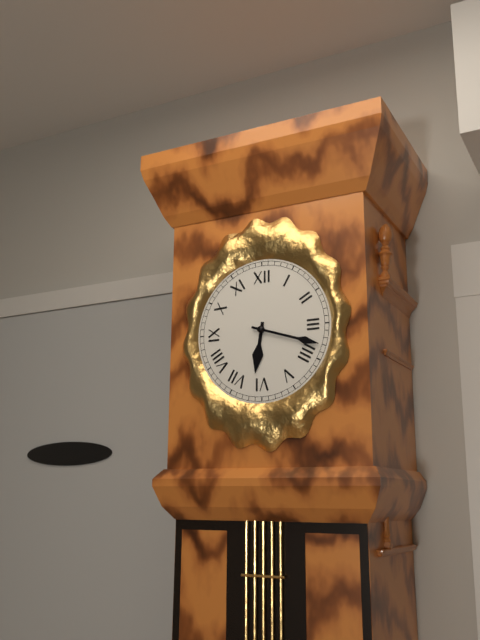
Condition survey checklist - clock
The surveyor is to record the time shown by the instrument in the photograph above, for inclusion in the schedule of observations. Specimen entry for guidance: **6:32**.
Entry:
**6:18**
